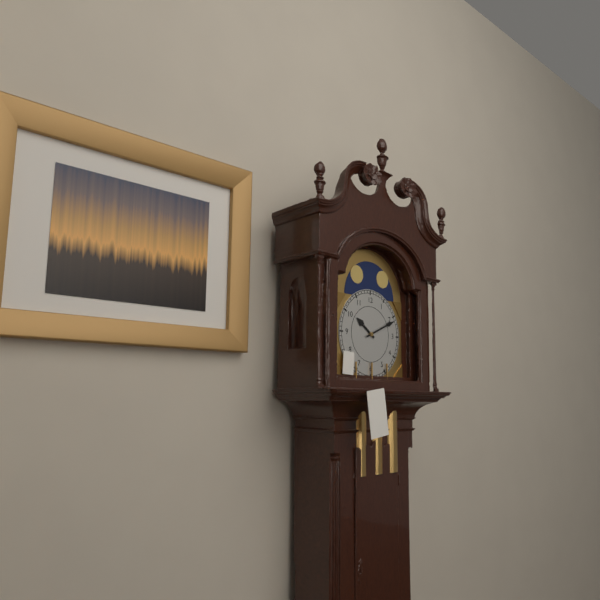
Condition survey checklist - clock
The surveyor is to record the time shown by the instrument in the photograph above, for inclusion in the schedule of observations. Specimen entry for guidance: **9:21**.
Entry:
**10:11**
